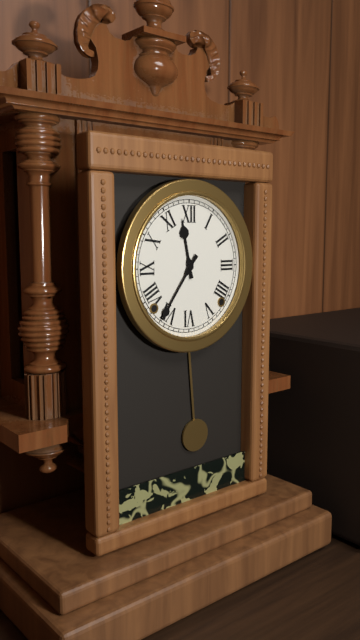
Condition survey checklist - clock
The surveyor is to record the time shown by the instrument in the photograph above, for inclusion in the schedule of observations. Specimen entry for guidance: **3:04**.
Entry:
**11:36**
